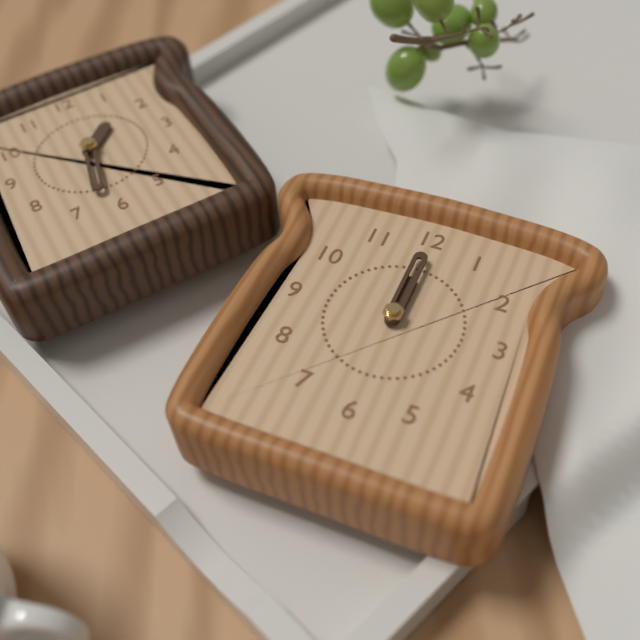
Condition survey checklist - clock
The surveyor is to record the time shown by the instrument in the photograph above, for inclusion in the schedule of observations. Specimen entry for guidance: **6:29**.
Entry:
**12:00**
